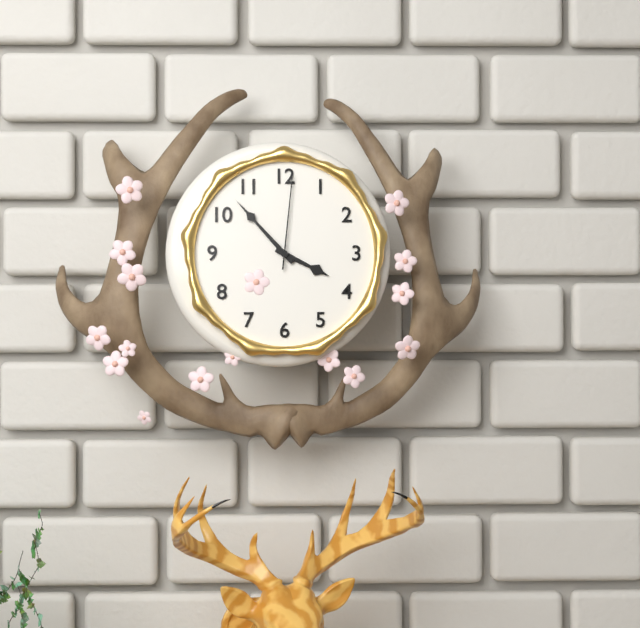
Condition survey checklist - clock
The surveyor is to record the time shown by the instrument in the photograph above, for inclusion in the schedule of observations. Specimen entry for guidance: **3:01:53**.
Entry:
**3:53:01**
